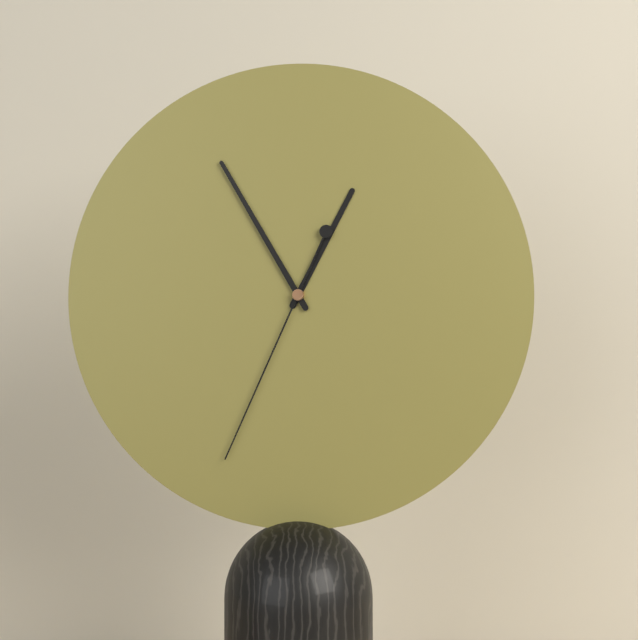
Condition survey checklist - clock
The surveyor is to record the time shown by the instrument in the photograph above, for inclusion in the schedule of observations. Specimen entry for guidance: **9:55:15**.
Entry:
**12:55:34**
